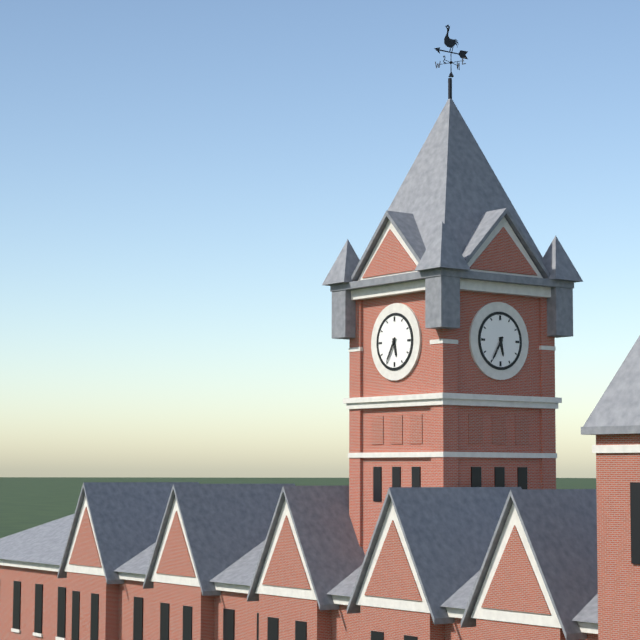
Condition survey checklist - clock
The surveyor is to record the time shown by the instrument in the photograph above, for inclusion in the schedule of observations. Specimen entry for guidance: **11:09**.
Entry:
**5:35**
